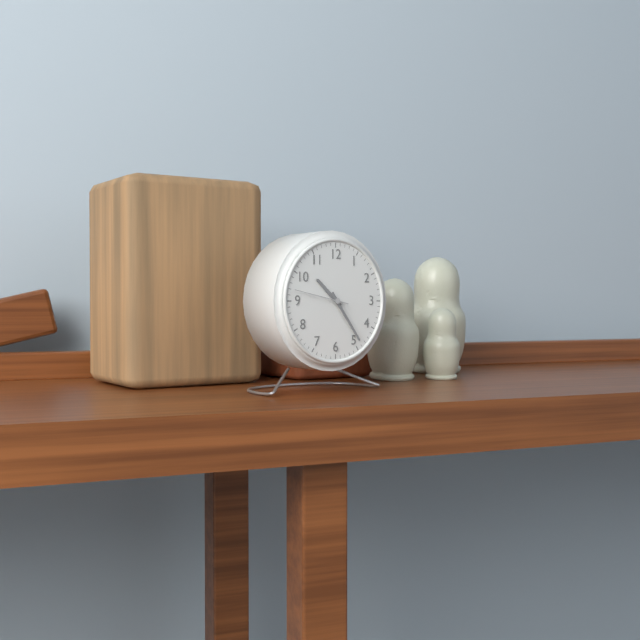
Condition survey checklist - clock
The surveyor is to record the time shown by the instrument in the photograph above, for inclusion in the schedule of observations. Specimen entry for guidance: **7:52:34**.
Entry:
**10:24:47**
